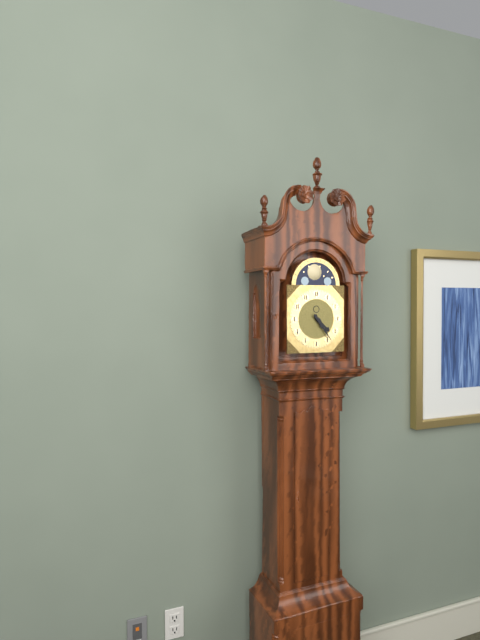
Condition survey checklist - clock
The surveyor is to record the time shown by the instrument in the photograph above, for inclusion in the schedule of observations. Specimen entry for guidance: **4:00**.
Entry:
**4:24**
